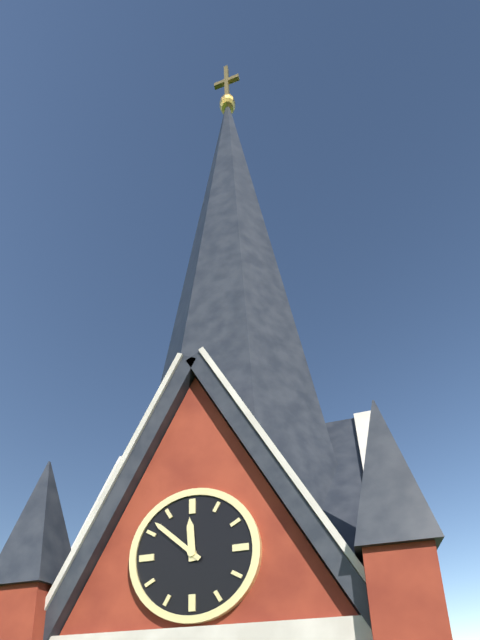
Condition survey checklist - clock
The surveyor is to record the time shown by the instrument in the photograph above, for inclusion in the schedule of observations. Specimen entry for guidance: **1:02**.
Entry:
**11:52**
